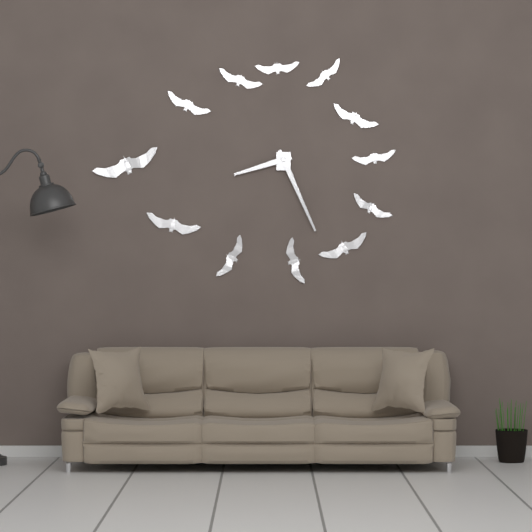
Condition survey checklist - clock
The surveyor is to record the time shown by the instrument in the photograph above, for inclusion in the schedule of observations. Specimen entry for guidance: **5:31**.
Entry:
**8:26**
